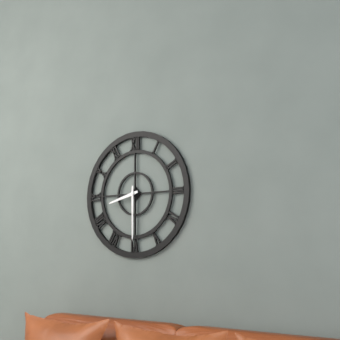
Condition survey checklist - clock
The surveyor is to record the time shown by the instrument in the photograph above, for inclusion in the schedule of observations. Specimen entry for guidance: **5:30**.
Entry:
**8:30**
